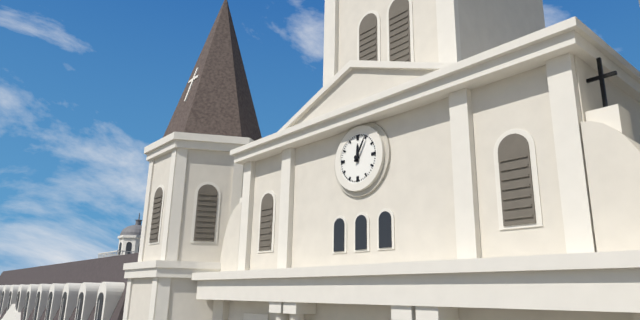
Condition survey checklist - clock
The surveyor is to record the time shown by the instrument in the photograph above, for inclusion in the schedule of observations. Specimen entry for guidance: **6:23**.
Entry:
**12:05**
